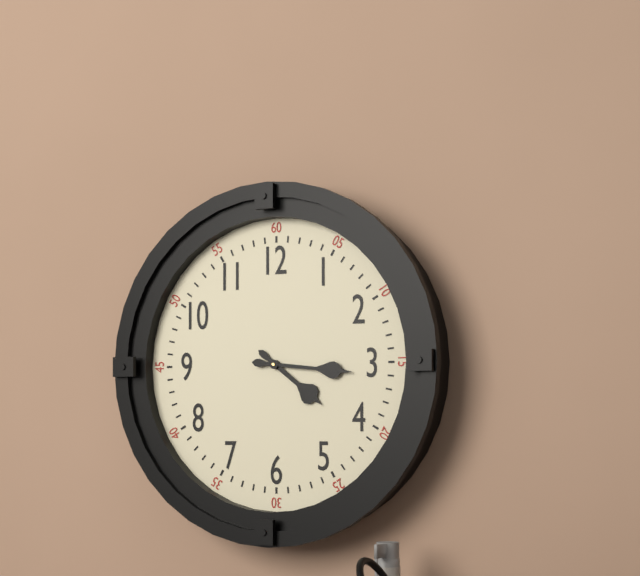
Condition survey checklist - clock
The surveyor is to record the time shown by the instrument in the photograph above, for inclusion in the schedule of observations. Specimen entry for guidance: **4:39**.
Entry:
**4:16**
